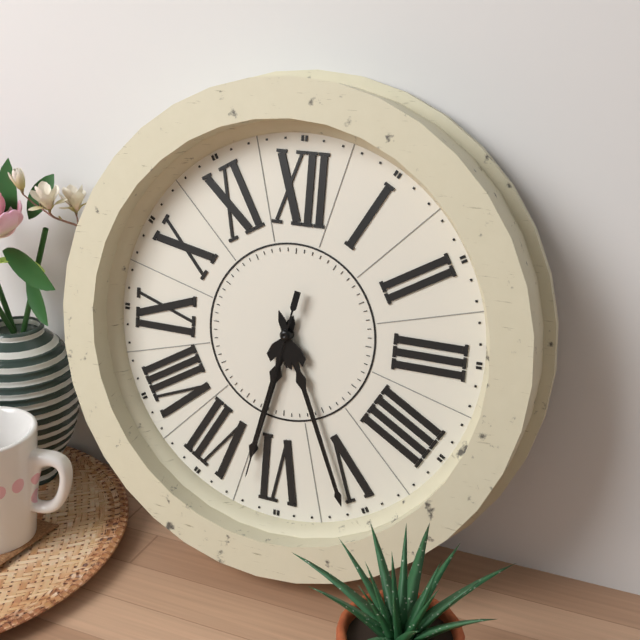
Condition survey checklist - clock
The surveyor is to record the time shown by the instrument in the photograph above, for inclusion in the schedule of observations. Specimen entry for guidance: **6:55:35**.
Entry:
**6:26:32**
